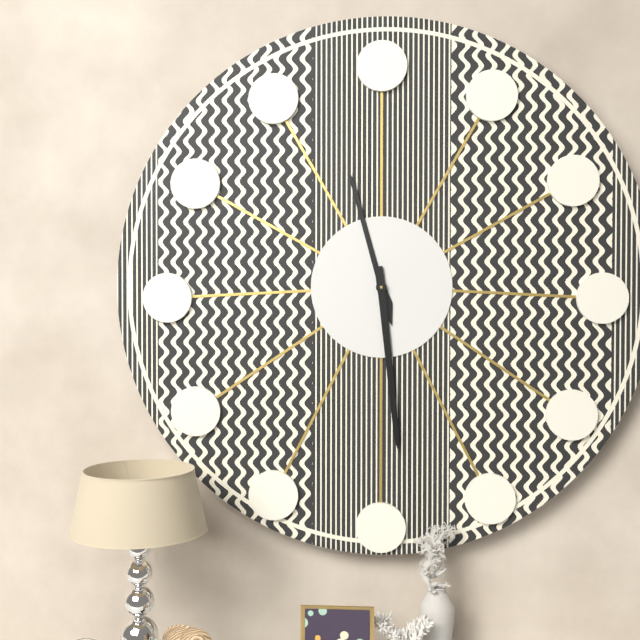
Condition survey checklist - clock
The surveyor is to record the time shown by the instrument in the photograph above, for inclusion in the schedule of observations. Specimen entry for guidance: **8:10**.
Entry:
**11:29**
